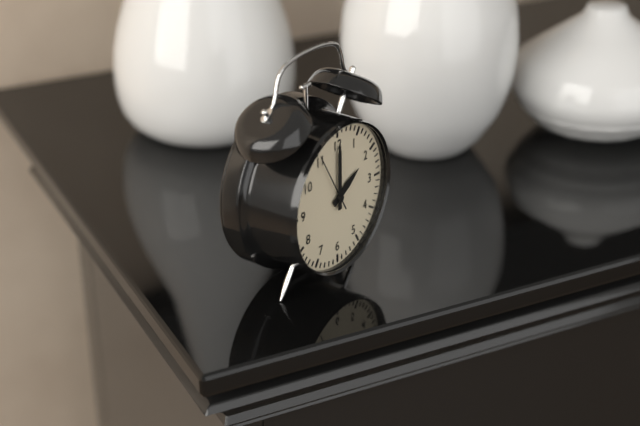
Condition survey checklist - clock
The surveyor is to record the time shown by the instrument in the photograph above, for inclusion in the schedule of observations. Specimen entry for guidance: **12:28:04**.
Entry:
**2:00:55**
